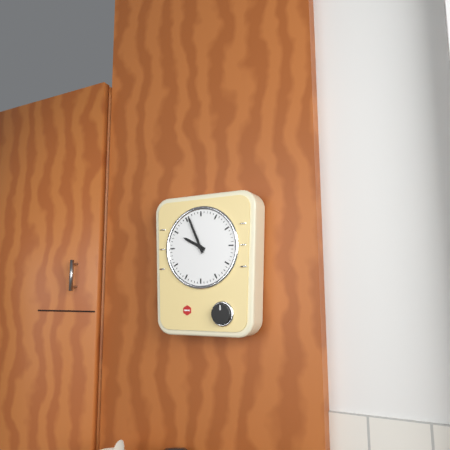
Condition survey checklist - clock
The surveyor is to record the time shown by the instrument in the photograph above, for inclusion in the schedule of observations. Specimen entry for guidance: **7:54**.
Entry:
**9:56**
